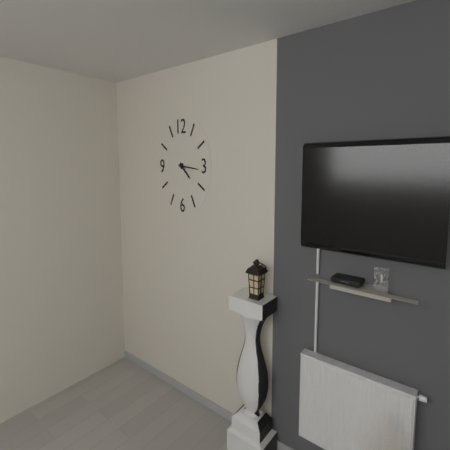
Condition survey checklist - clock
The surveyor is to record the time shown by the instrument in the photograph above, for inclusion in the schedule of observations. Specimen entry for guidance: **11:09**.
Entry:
**4:16**
